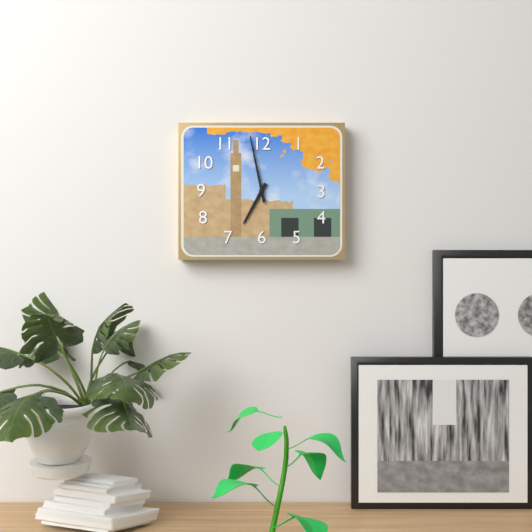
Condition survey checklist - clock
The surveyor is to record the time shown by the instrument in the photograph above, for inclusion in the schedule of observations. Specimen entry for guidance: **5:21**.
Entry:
**6:58**
